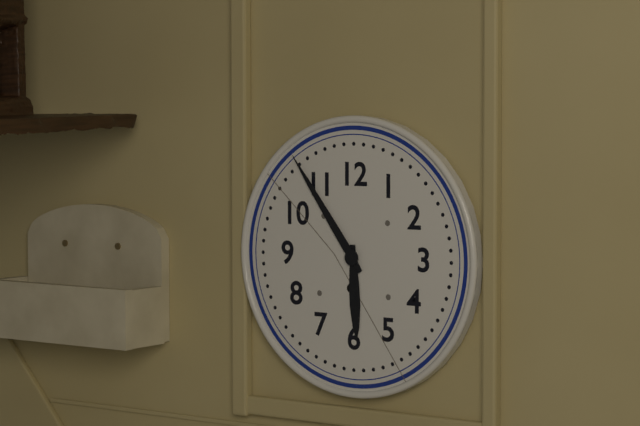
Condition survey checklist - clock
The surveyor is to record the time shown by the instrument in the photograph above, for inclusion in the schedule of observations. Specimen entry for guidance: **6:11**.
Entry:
**5:54**
